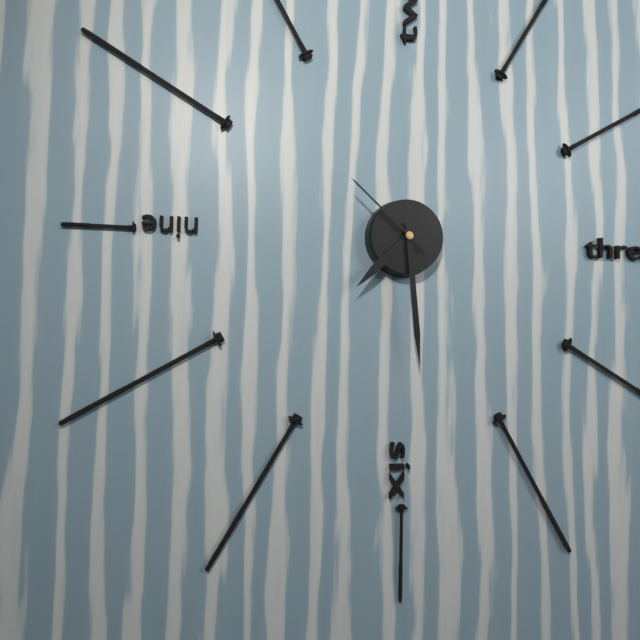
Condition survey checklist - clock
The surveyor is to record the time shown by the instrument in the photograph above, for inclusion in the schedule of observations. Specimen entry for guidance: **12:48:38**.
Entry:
**7:29:52**
